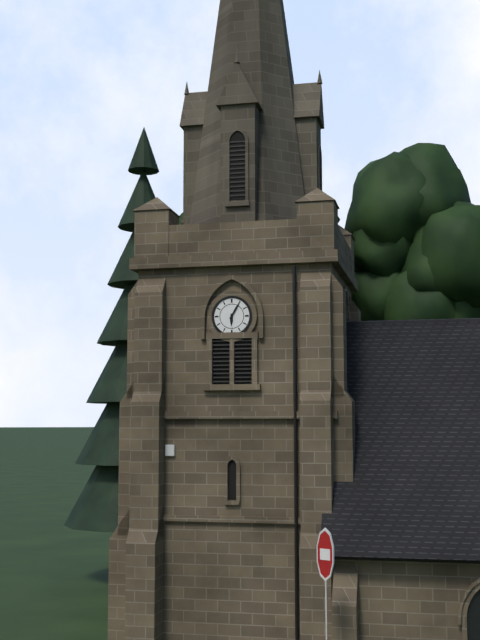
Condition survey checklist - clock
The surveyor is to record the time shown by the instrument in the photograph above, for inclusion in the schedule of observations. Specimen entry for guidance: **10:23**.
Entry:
**6:05**
